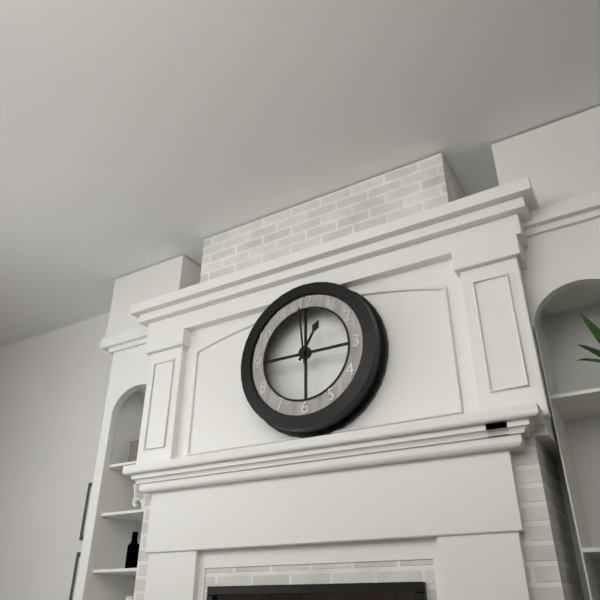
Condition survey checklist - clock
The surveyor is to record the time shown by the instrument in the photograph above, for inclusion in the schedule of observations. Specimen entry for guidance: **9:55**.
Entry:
**12:59**
